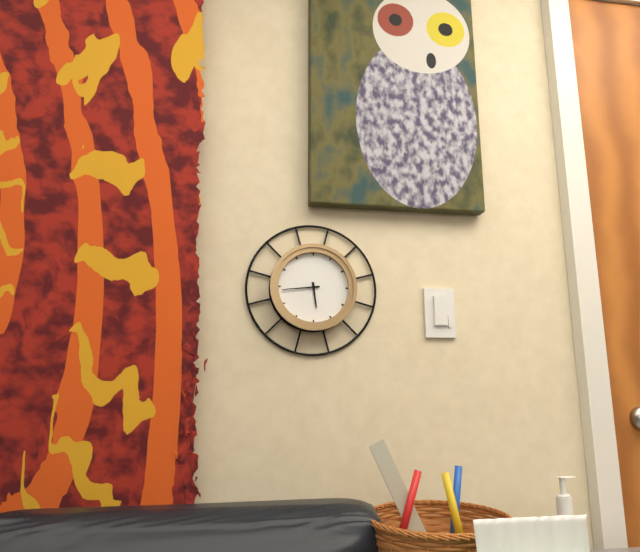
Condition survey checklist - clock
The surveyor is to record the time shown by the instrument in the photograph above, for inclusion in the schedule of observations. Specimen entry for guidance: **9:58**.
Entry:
**5:44**
